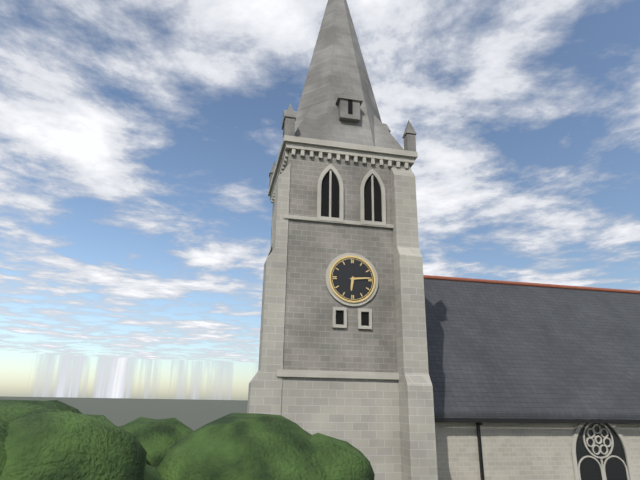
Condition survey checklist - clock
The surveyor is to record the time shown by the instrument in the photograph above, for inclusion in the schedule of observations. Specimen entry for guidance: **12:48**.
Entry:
**6:14**
